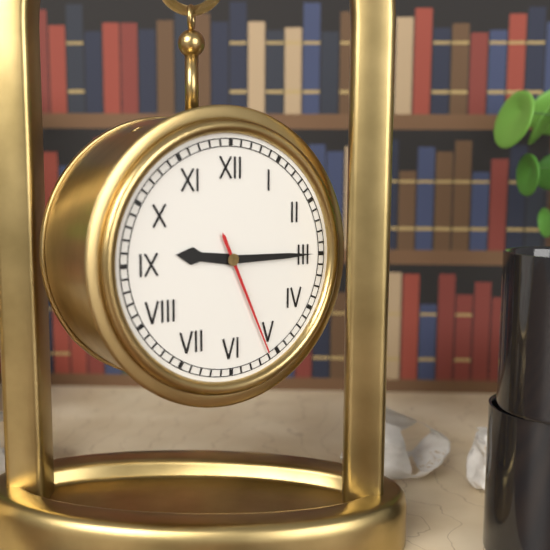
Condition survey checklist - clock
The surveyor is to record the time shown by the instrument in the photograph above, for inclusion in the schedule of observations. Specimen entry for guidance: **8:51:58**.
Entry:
**9:15:26**
